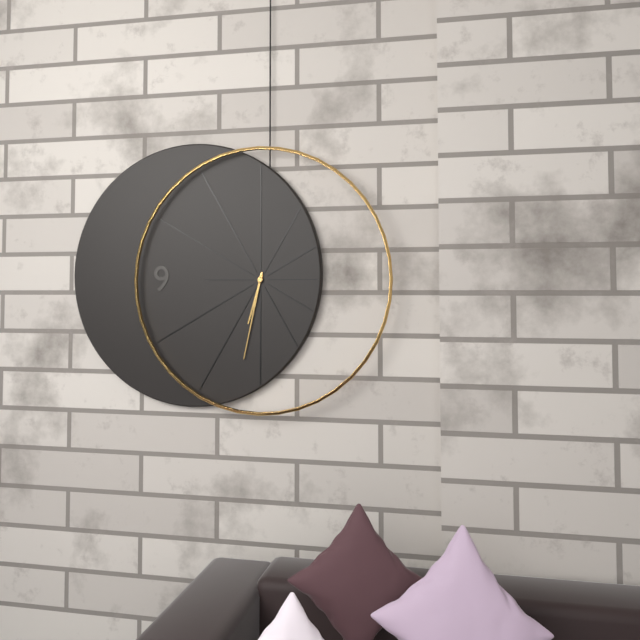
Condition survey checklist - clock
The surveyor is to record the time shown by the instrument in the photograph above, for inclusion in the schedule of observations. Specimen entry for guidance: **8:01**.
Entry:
**6:32**
